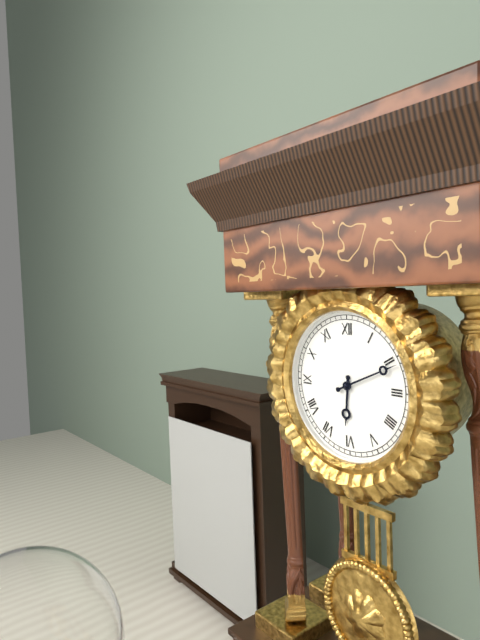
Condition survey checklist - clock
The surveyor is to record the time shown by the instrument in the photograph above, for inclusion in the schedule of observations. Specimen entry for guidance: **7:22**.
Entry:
**6:11**
